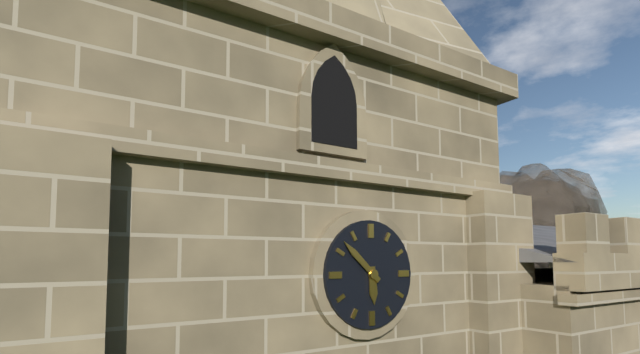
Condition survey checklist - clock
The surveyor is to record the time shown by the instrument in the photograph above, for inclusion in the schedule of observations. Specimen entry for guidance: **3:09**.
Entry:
**5:52**
